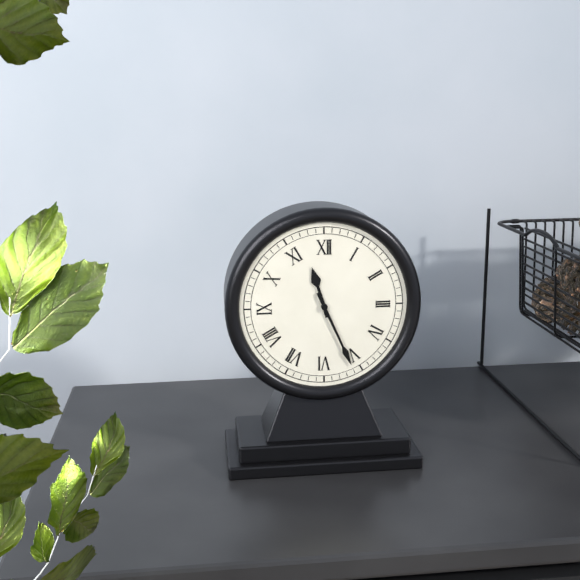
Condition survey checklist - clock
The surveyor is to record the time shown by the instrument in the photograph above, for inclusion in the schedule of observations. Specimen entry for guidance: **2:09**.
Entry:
**11:26**
